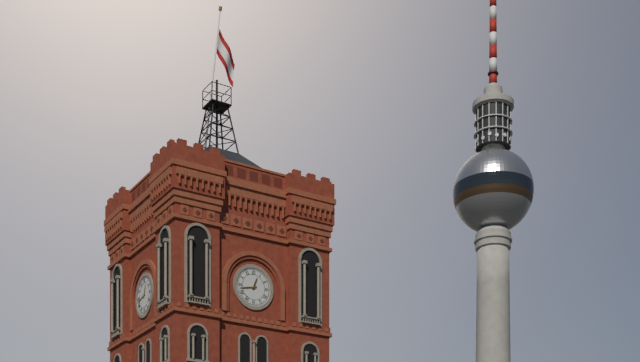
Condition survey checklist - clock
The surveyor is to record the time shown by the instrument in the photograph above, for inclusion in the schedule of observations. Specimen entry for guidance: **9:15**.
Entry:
**12:43**
